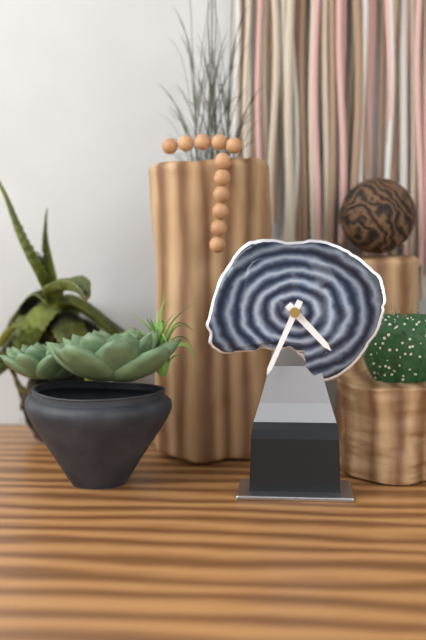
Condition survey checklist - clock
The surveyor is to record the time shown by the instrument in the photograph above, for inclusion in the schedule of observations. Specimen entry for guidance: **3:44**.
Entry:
**4:34**
